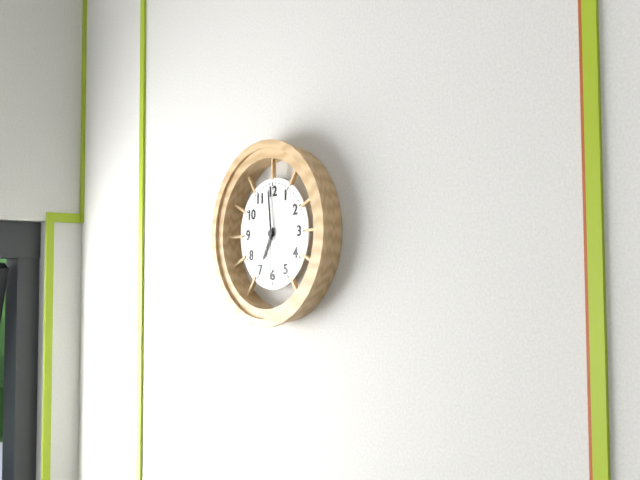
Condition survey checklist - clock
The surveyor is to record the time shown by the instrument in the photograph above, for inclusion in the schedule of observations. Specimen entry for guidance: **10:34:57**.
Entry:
**6:59:30**
